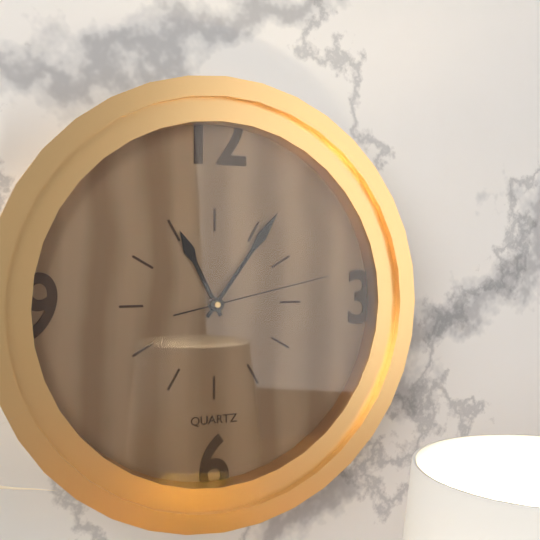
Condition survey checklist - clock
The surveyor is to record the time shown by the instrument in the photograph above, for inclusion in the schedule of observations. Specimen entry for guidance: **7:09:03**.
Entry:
**11:06:13**
